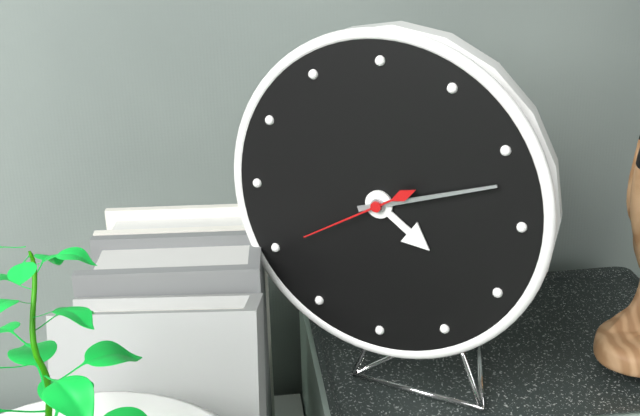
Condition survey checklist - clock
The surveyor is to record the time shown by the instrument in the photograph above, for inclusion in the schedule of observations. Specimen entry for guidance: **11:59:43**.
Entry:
**4:12:40**
